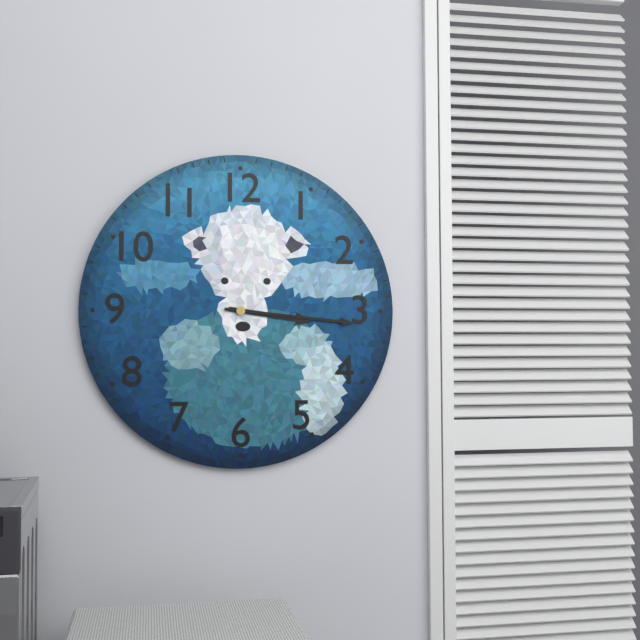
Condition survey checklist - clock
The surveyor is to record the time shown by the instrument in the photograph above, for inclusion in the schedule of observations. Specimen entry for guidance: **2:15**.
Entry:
**3:16**
